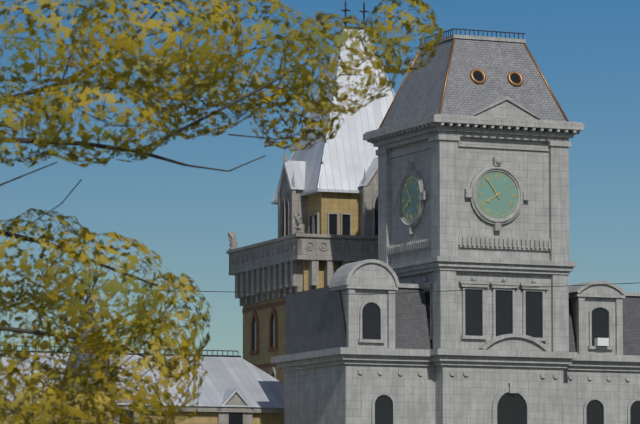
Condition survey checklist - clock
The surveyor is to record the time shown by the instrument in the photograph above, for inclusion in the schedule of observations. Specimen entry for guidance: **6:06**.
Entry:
**7:54**
